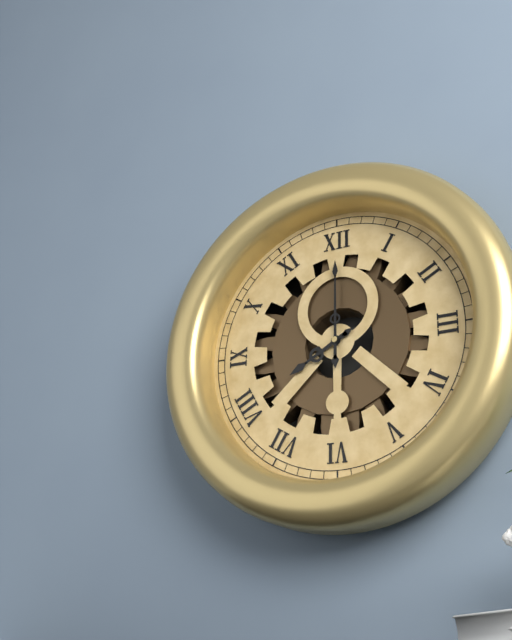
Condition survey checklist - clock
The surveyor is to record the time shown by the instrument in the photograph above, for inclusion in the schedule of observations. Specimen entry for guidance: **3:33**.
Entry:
**8:00**
